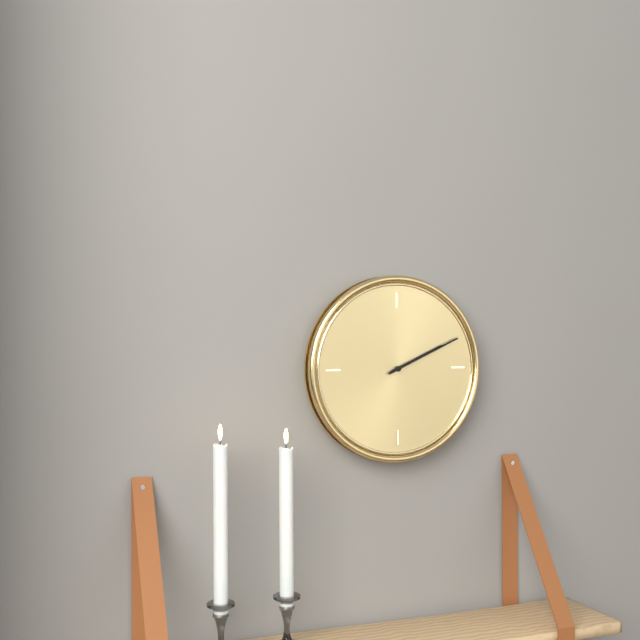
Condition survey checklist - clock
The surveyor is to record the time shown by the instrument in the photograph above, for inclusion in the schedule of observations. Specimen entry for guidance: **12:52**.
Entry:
**2:11**
